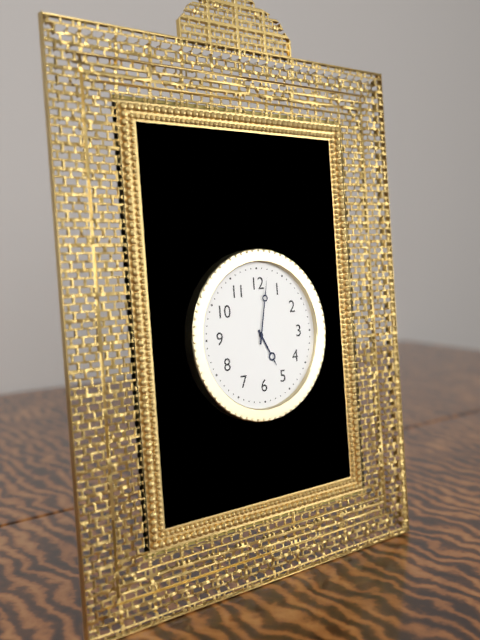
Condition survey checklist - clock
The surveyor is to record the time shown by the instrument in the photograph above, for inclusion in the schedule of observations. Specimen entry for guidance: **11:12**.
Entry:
**5:02**
